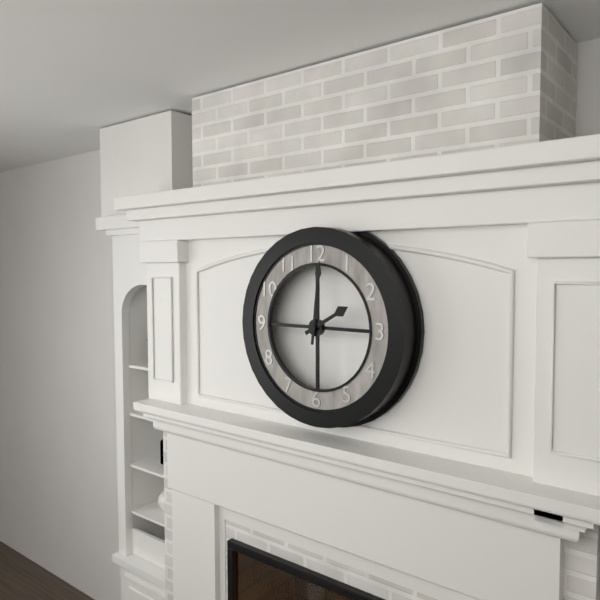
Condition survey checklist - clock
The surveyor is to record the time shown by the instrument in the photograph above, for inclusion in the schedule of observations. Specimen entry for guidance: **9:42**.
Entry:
**2:01**
